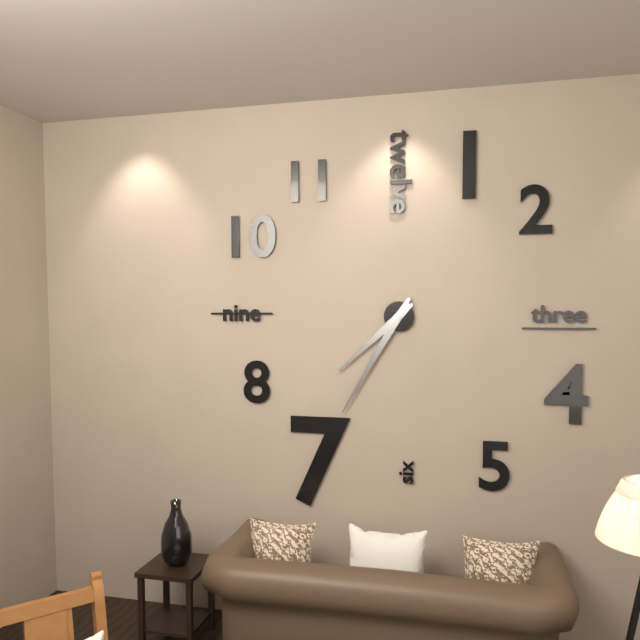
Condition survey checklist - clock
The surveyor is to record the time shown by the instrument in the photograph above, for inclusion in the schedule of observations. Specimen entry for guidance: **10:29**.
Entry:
**7:35**
